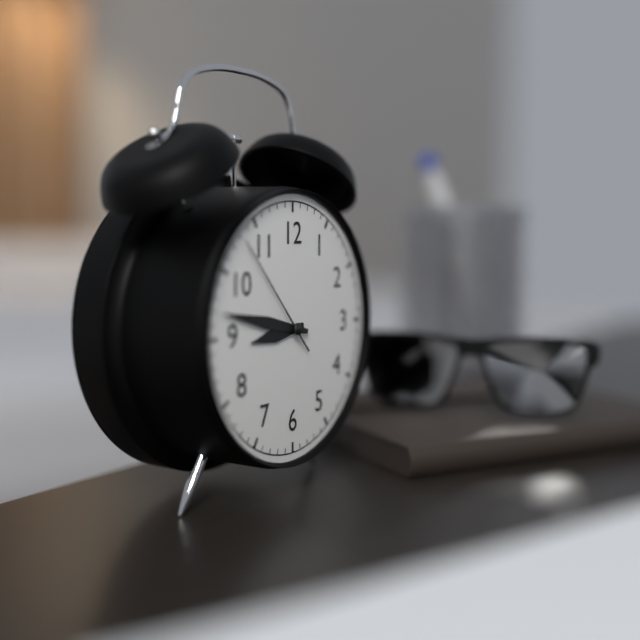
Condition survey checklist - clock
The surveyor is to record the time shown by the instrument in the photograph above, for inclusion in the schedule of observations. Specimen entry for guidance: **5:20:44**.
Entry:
**8:47:53**
